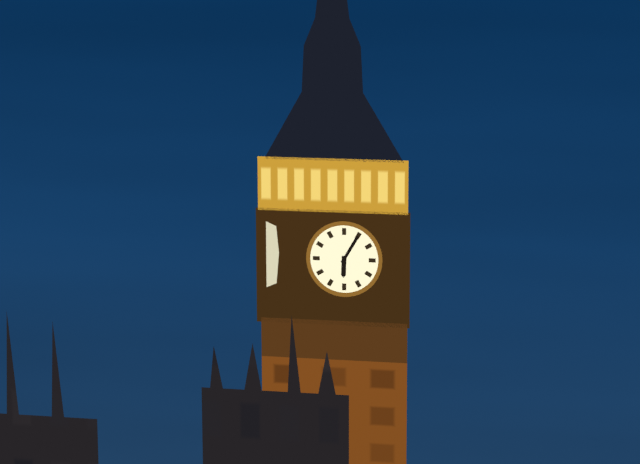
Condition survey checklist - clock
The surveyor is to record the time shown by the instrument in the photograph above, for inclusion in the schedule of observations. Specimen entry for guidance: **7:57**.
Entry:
**6:05**
